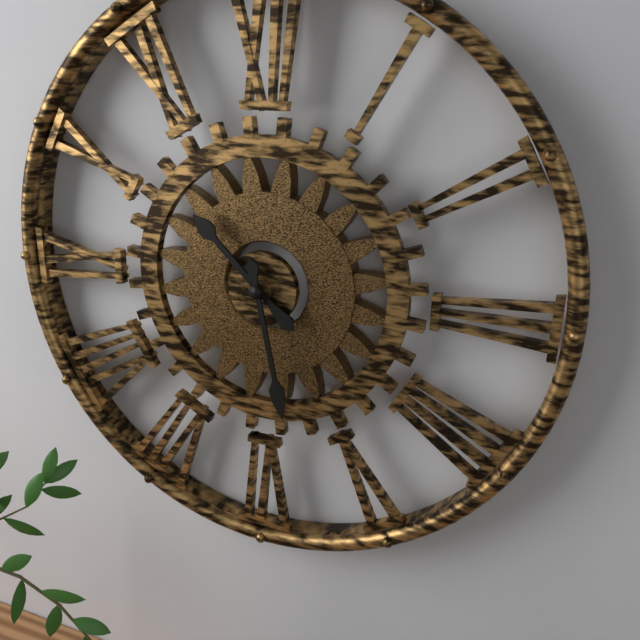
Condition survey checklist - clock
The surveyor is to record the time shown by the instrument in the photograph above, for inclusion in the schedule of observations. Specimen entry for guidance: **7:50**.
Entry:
**10:28**
